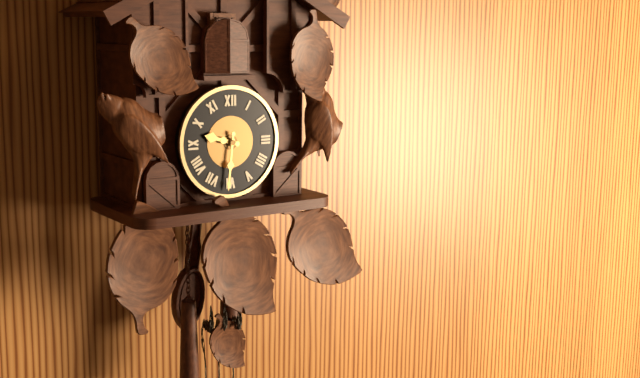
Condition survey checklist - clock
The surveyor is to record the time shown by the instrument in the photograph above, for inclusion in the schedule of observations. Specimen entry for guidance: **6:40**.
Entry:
**9:31**
